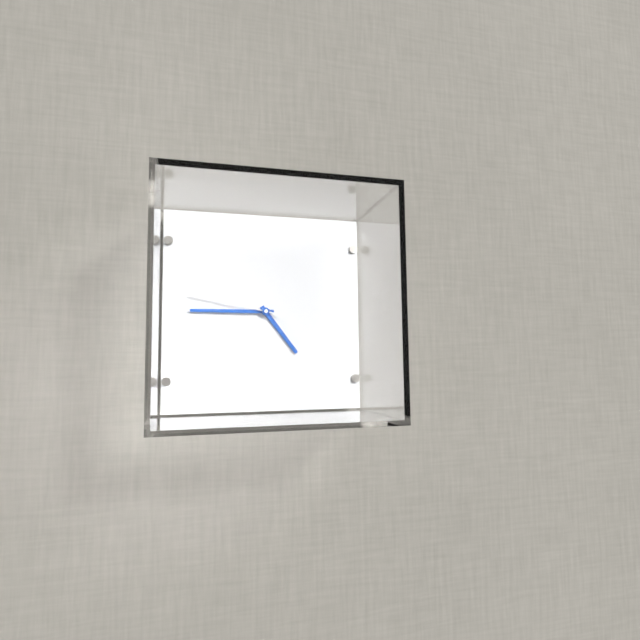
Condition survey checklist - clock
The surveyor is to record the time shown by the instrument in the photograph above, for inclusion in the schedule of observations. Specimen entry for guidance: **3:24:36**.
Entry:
**4:45:47**
